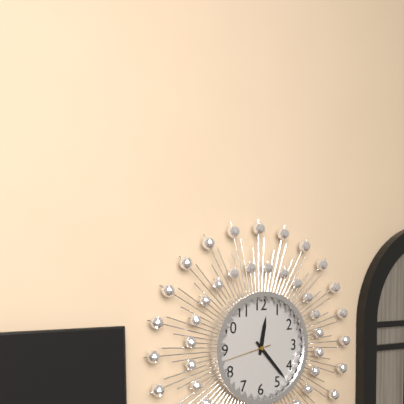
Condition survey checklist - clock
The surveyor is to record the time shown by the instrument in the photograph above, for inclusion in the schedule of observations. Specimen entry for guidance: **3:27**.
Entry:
**12:23**
